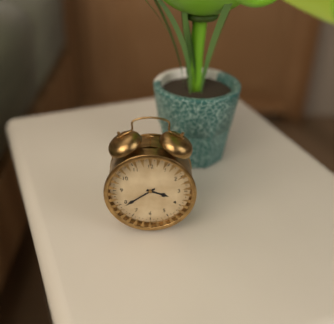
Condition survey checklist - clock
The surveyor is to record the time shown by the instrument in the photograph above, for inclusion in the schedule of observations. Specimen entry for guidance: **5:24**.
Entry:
**3:39**
